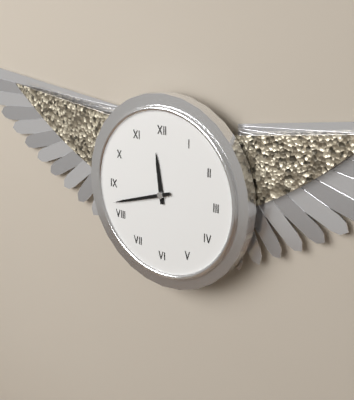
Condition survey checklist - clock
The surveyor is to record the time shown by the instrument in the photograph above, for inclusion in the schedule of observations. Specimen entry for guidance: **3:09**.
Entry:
**11:42**
